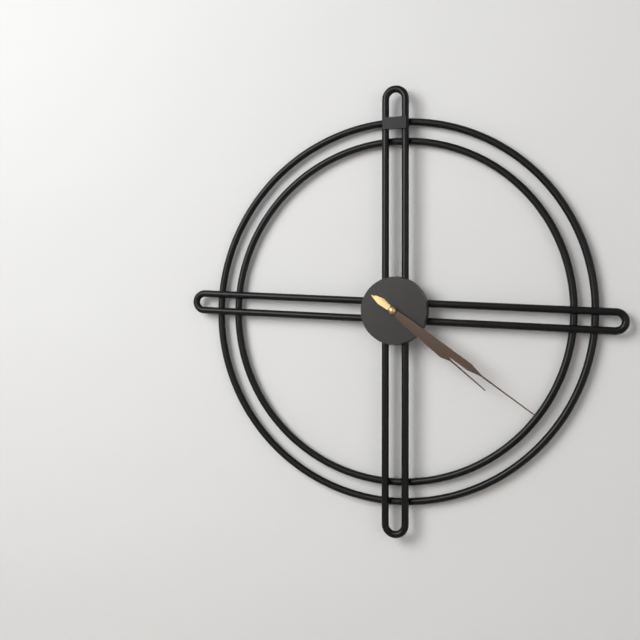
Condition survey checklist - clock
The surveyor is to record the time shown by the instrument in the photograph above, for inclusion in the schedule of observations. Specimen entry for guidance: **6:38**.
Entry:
**4:21**
